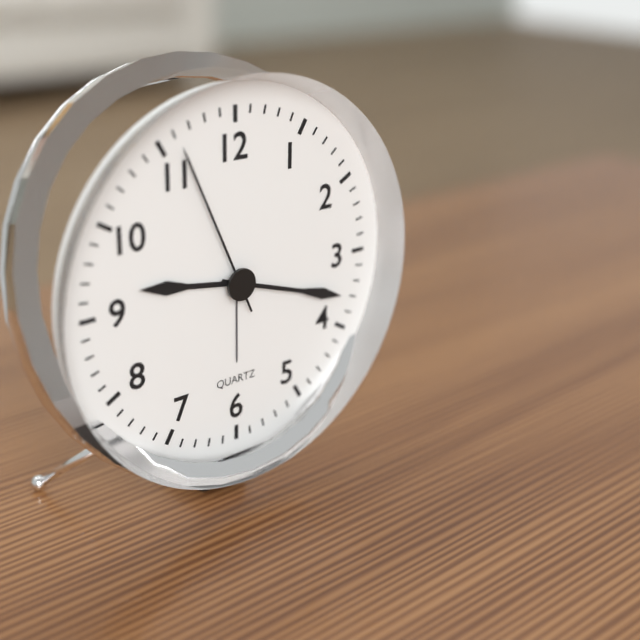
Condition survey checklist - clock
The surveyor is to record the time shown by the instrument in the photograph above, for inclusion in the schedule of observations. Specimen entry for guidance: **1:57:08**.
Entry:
**9:18:56**
